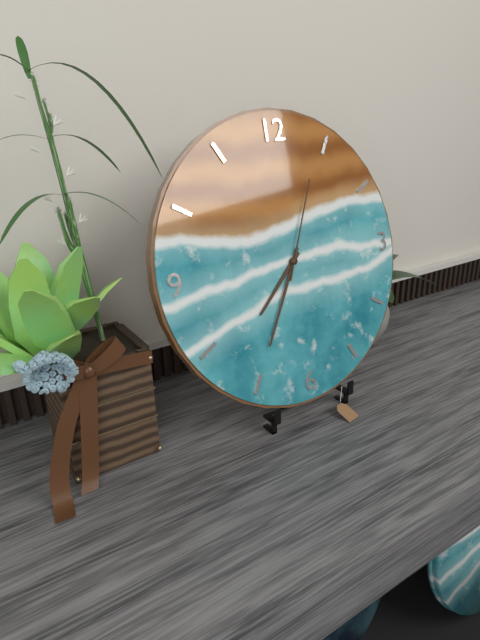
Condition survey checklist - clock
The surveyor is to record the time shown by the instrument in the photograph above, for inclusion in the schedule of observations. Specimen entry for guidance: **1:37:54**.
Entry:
**7:35:04**
